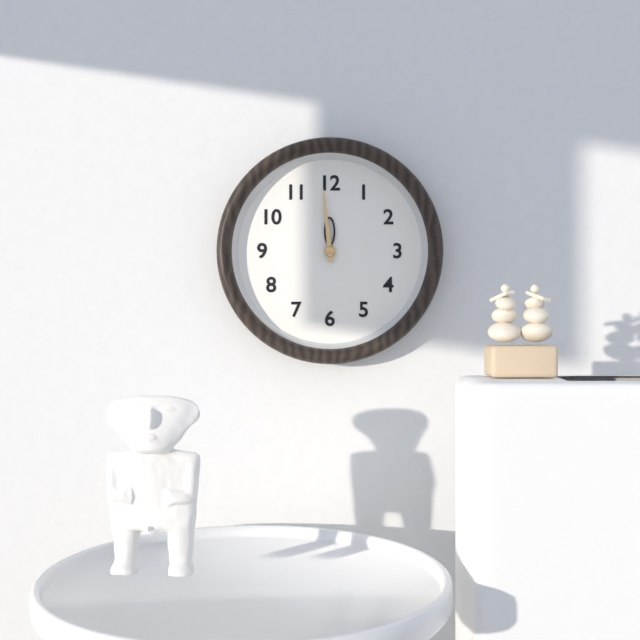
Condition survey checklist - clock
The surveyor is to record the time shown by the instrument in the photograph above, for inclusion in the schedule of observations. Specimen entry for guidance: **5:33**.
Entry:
**11:59**
